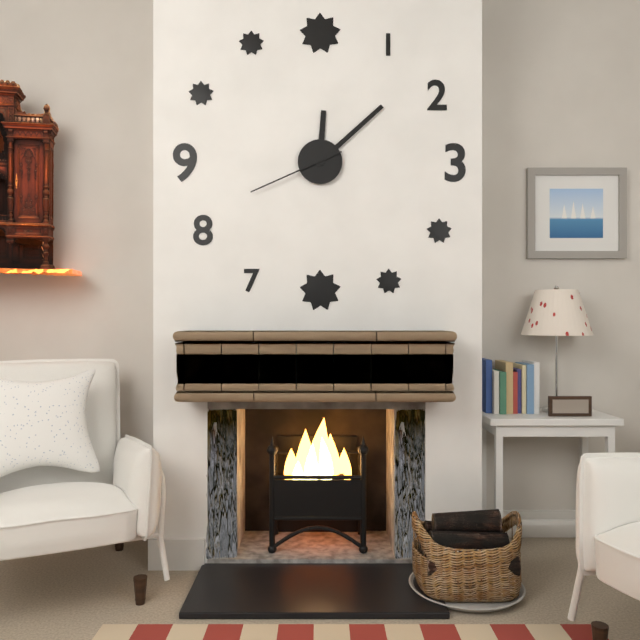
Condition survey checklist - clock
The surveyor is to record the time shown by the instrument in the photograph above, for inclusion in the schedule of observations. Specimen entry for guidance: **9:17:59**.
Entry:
**12:08:41**
